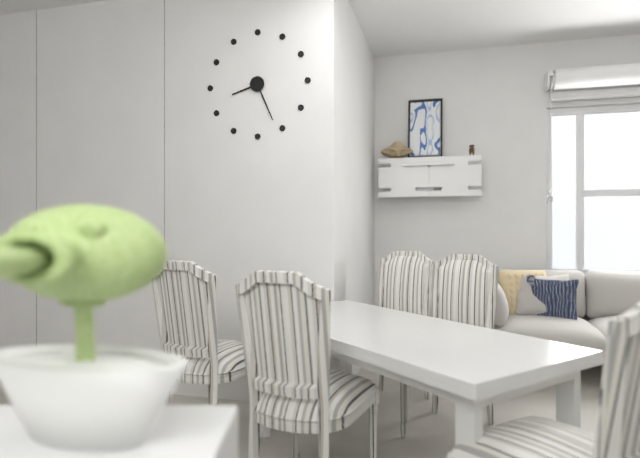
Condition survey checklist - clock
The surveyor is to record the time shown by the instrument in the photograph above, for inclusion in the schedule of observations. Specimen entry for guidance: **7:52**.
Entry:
**8:26**
